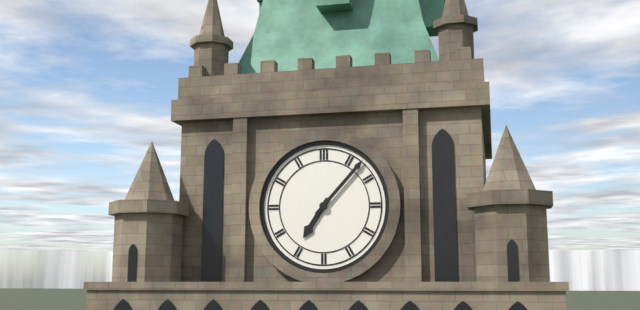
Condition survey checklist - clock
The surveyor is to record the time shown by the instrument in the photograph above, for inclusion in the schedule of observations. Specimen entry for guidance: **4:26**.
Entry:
**7:07**
